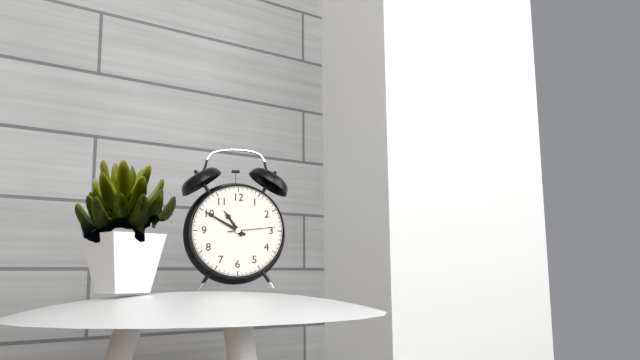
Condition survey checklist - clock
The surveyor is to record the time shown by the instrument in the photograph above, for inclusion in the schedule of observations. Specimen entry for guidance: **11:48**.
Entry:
**10:50**
